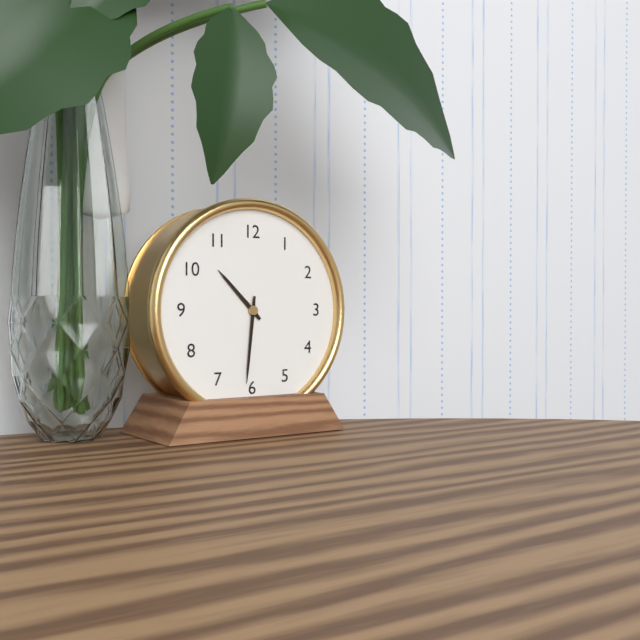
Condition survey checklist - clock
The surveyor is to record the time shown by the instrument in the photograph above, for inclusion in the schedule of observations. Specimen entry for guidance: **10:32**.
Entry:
**10:31**
